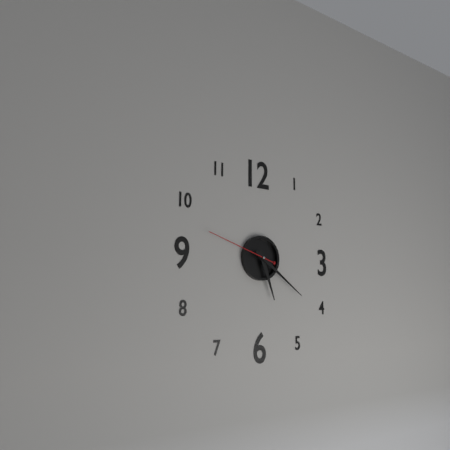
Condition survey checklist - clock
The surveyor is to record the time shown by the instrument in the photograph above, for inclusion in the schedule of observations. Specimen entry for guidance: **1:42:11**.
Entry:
**5:21:48**
